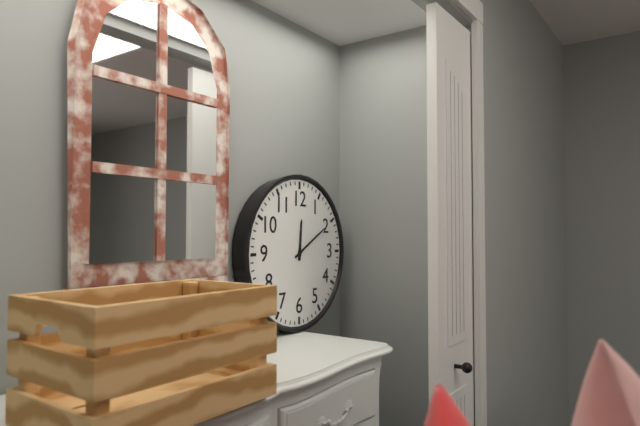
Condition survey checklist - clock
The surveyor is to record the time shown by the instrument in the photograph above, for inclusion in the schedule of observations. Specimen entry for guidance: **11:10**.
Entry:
**12:10**
